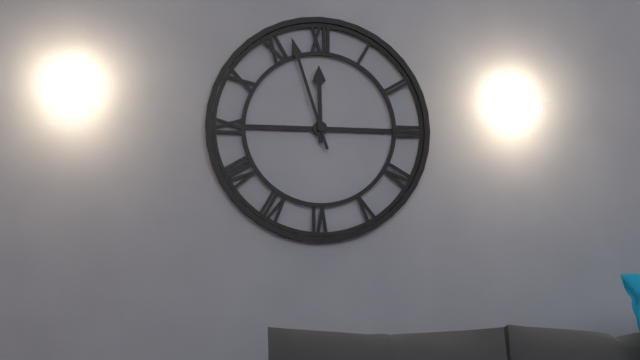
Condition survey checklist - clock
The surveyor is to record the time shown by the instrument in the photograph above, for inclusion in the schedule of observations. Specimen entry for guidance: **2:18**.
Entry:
**11:57**
